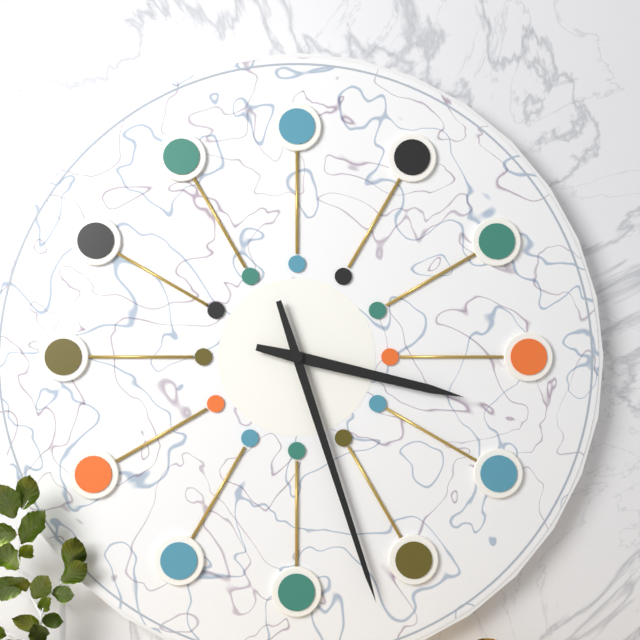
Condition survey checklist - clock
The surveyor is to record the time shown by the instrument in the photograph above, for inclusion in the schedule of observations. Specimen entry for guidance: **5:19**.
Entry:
**3:27**
